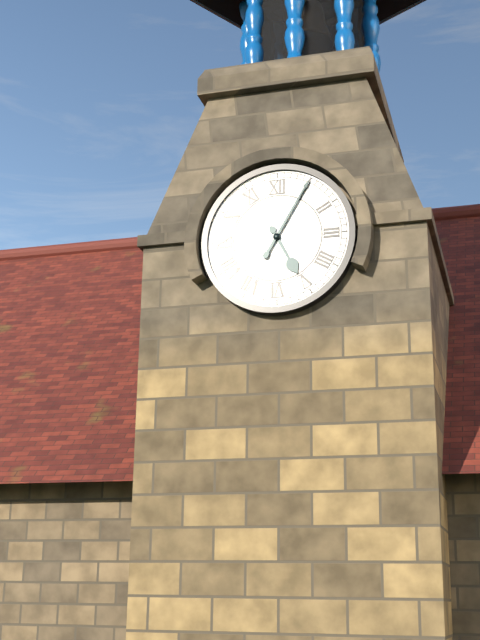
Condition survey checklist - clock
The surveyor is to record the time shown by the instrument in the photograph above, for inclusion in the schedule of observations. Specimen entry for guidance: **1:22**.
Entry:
**5:05**
